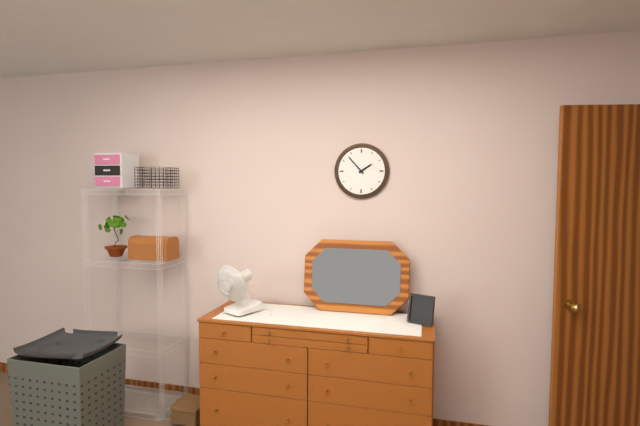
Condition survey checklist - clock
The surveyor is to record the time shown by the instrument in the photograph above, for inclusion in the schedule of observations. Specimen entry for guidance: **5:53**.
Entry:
**1:53**
